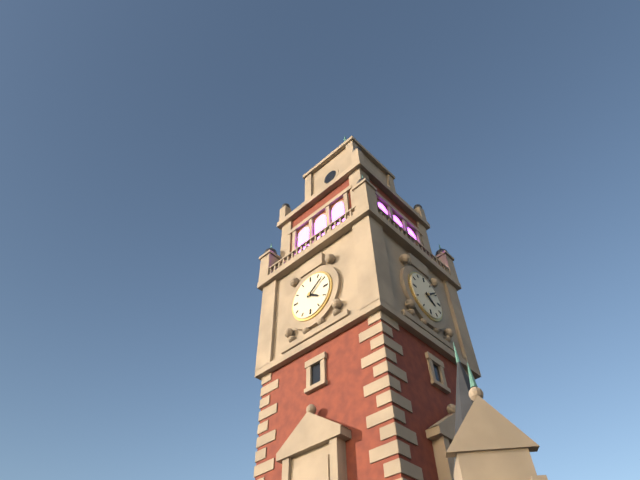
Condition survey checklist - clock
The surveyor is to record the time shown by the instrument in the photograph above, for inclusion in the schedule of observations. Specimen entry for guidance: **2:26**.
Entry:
**4:09**
